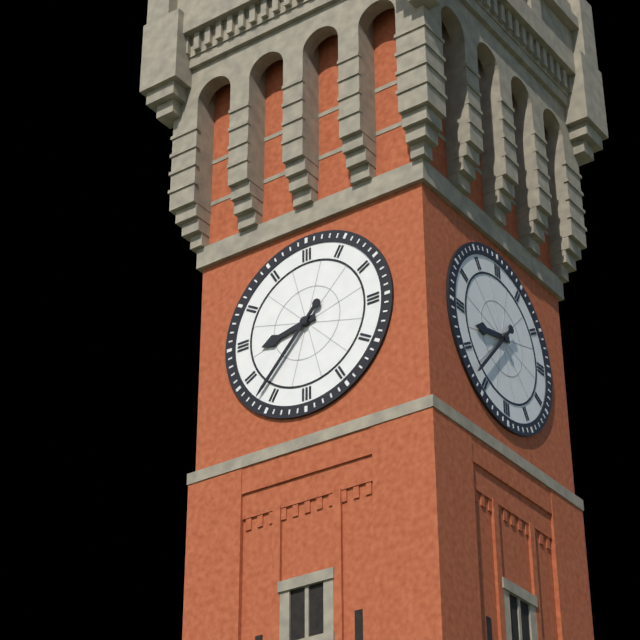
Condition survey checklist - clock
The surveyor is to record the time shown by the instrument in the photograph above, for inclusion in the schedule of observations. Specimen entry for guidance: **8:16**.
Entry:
**8:37**
